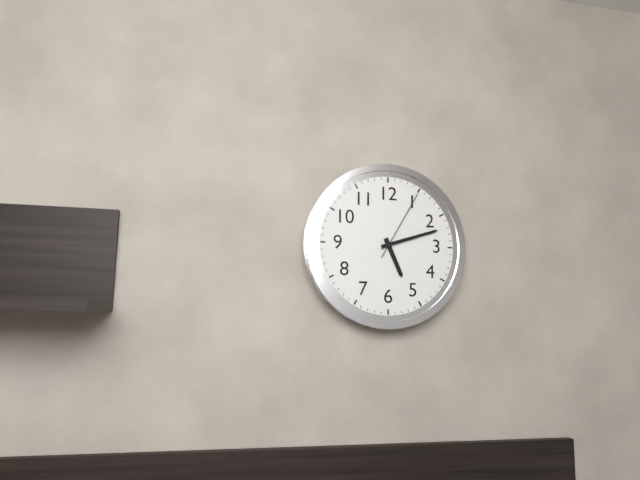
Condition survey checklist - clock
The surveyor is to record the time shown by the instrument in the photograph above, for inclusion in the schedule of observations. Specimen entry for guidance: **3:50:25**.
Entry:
**5:12:05**
